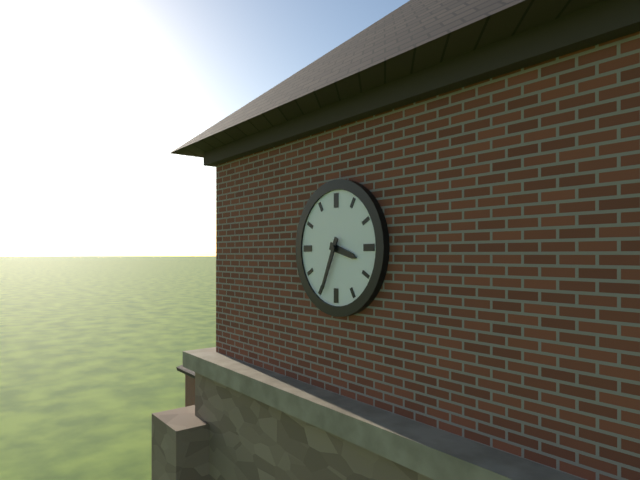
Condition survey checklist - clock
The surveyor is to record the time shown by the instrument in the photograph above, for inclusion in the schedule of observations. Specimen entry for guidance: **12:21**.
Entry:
**3:34**
